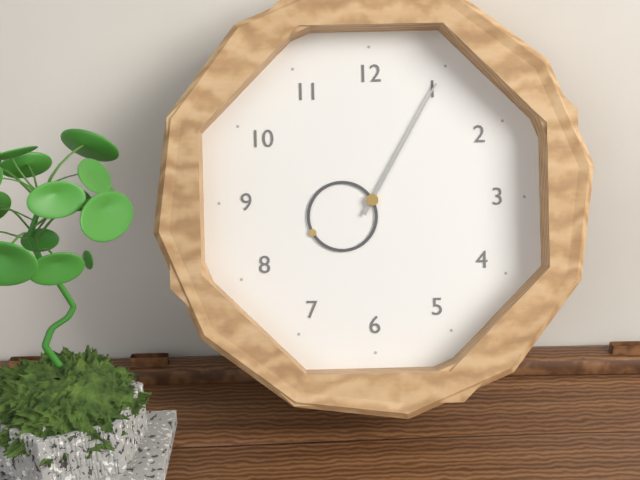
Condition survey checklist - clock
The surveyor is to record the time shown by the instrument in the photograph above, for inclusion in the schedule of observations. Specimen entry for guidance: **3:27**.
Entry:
**8:05**
